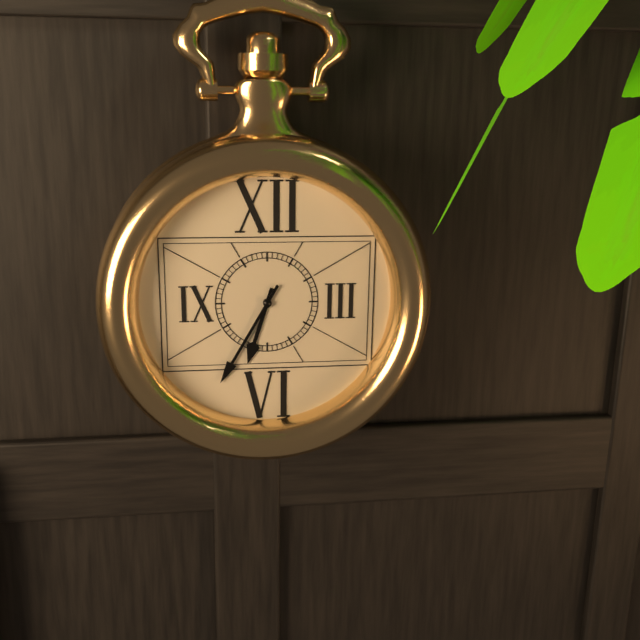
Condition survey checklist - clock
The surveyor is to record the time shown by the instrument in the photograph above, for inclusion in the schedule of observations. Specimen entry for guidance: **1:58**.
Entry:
**6:35**
